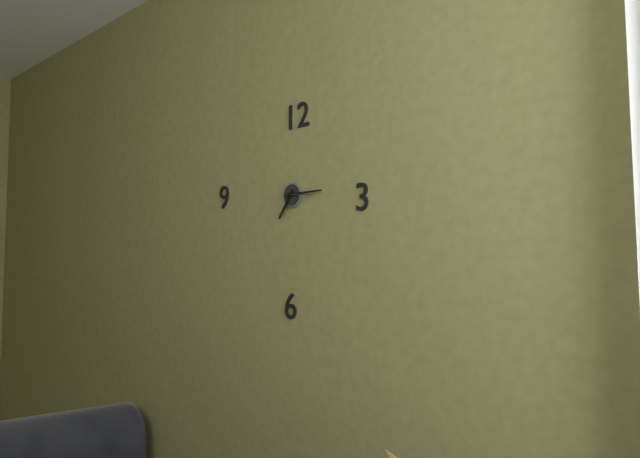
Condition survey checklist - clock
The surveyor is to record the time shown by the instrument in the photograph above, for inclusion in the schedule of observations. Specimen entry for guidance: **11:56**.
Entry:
**7:15**
